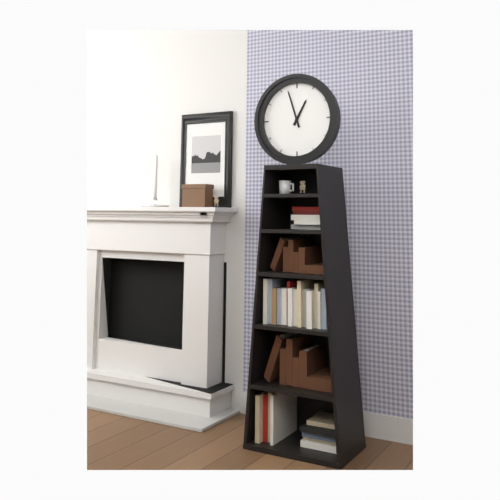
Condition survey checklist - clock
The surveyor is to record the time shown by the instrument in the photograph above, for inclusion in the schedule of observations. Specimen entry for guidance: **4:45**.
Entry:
**12:57**
